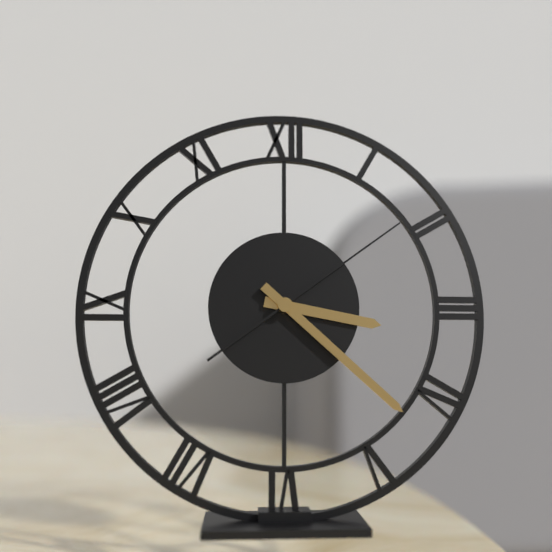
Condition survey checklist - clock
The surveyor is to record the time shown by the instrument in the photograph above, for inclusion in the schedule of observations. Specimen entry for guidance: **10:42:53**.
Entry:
**3:22:09**
